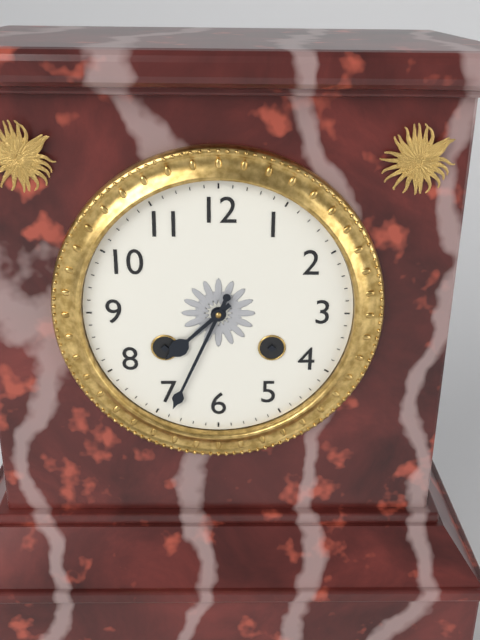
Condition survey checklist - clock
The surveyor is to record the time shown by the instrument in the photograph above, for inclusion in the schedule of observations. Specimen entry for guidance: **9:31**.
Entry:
**7:34**
